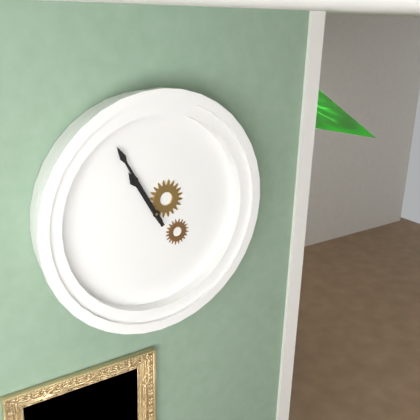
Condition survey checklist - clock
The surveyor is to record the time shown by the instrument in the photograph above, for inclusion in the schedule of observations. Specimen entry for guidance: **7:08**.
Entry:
**10:55**
